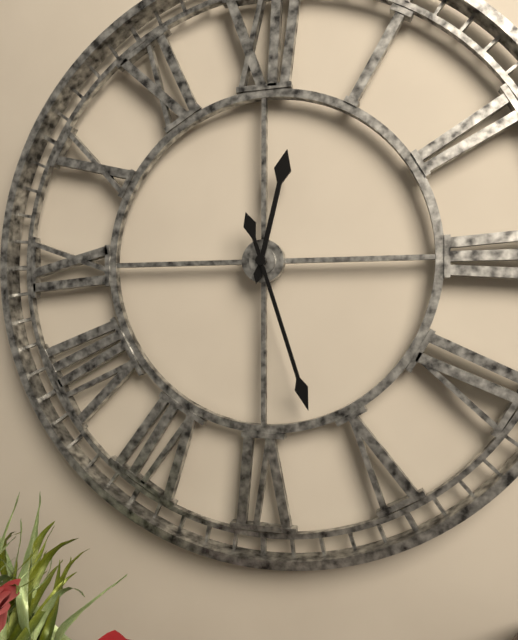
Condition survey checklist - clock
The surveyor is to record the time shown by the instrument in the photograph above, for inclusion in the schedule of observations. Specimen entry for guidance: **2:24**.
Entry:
**12:27**
